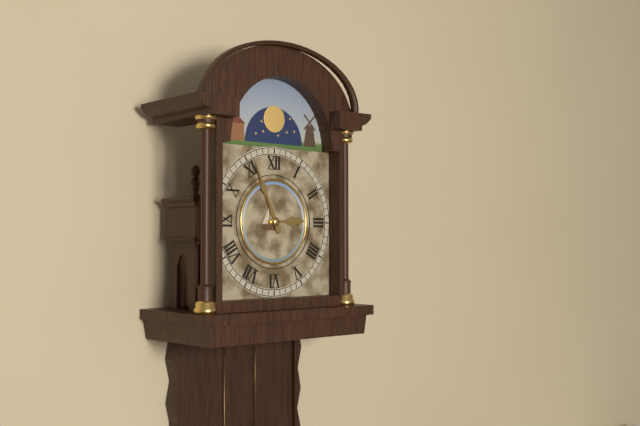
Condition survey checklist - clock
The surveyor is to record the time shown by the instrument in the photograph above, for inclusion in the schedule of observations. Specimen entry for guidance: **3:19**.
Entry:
**2:56**
